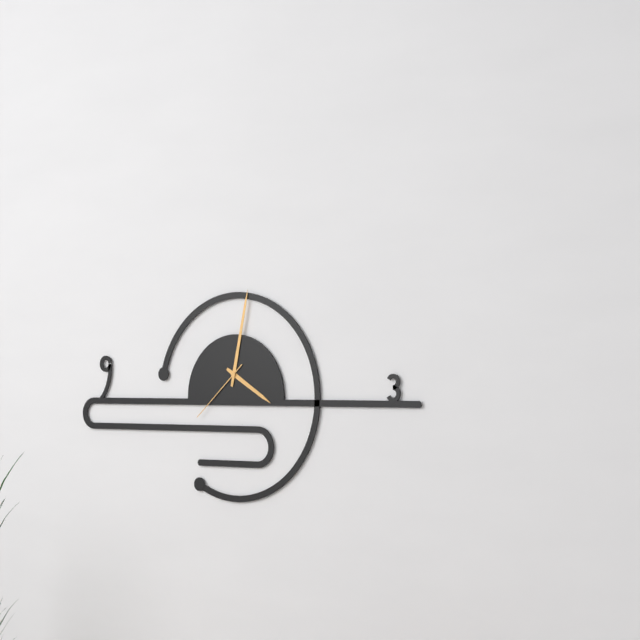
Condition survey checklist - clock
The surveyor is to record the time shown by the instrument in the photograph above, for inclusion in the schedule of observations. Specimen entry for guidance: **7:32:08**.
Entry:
**4:02:38**
